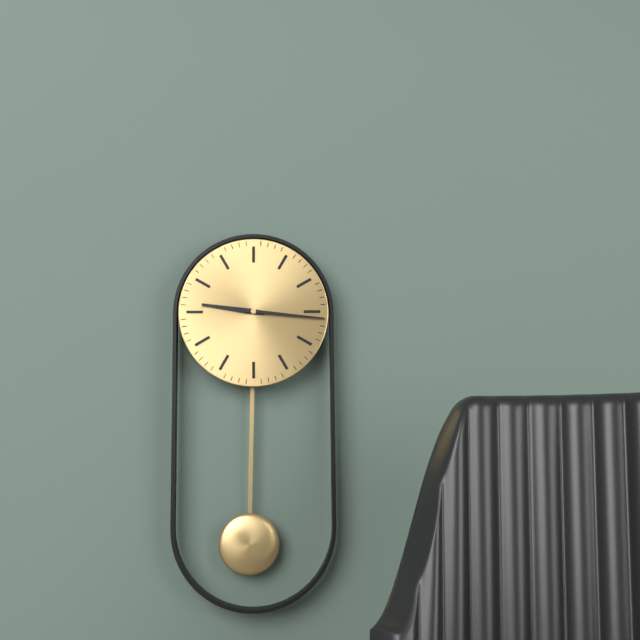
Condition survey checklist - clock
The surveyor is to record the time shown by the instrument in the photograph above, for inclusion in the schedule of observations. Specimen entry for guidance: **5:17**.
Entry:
**9:16**
